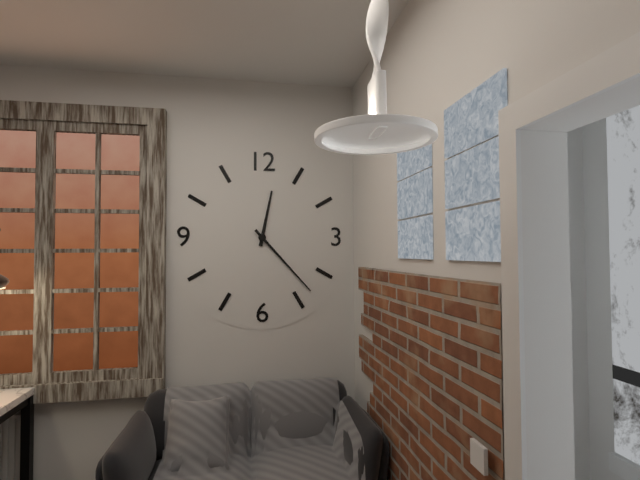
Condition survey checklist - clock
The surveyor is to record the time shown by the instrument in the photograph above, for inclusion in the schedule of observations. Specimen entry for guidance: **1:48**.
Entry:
**12:23**
